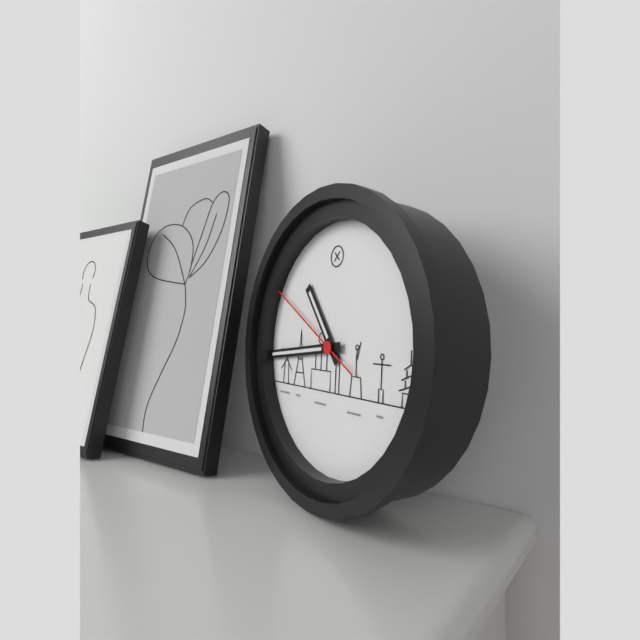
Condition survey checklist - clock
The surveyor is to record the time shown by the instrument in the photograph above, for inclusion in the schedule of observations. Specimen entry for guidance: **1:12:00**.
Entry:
**10:44:50**
